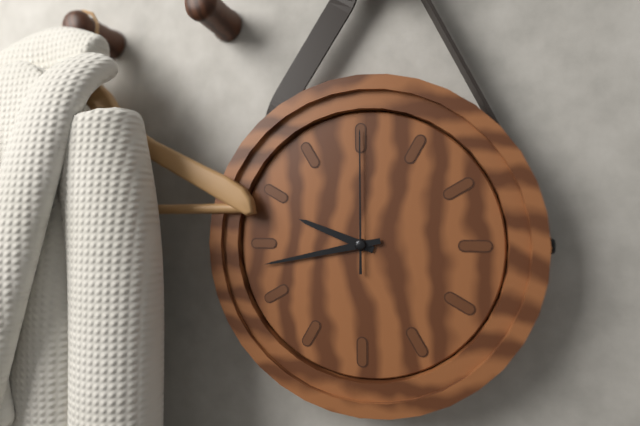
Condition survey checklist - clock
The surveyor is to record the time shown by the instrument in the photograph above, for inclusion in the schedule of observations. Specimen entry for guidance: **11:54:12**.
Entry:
**9:43:00**
